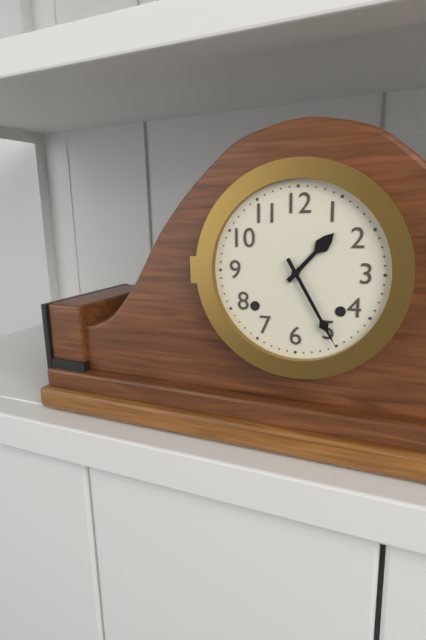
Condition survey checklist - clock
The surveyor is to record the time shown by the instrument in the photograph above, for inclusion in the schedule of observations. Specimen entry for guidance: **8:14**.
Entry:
**1:25**
